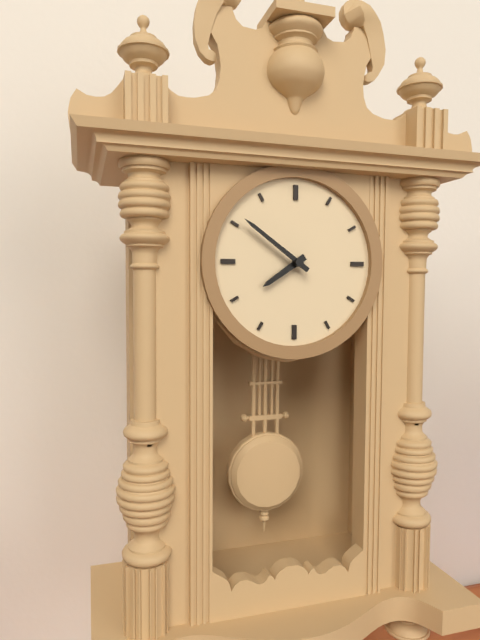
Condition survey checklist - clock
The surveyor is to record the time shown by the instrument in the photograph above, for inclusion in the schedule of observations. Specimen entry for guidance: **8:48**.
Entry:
**7:51**
